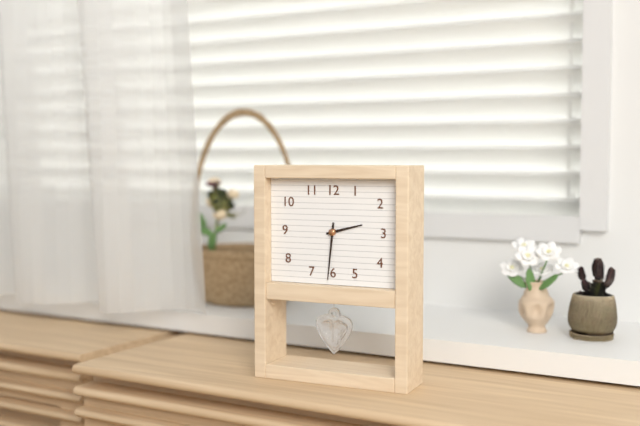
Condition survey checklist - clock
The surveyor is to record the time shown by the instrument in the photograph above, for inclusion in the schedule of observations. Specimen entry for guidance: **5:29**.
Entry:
**2:31**
